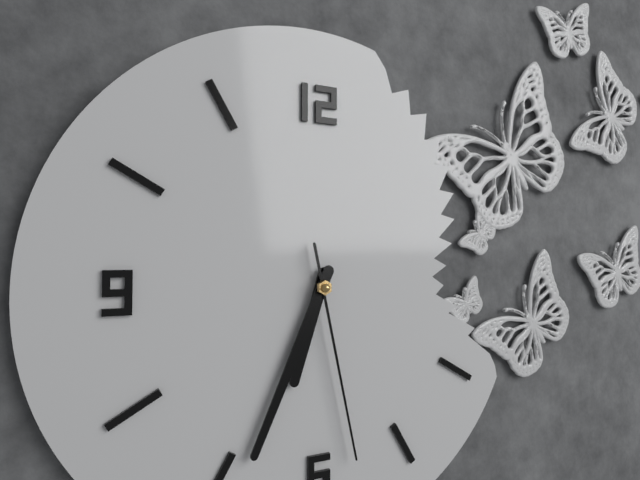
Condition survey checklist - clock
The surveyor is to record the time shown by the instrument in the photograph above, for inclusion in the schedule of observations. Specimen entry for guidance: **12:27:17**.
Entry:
**6:34:28**
